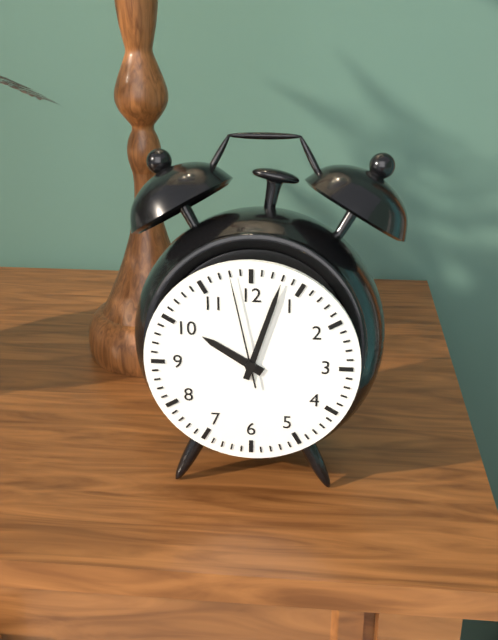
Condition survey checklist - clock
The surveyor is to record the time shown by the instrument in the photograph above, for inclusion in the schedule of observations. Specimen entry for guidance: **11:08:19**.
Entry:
**10:03:58**
